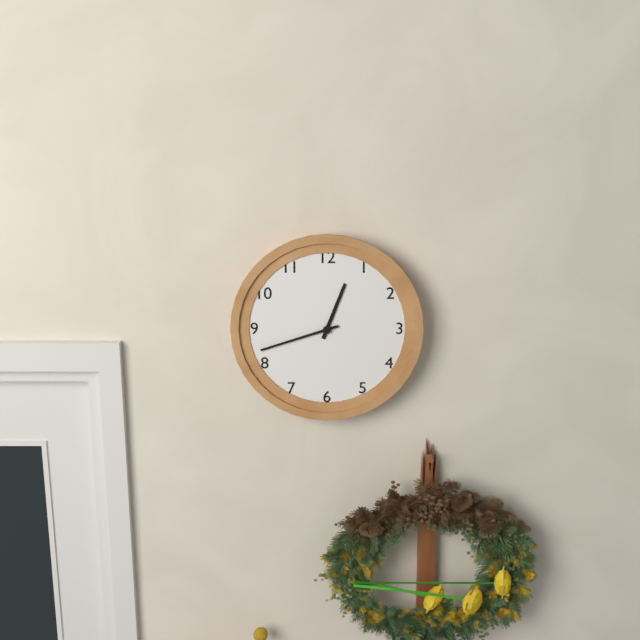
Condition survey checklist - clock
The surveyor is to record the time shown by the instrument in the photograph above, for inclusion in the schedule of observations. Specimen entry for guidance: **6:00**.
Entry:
**12:42**
